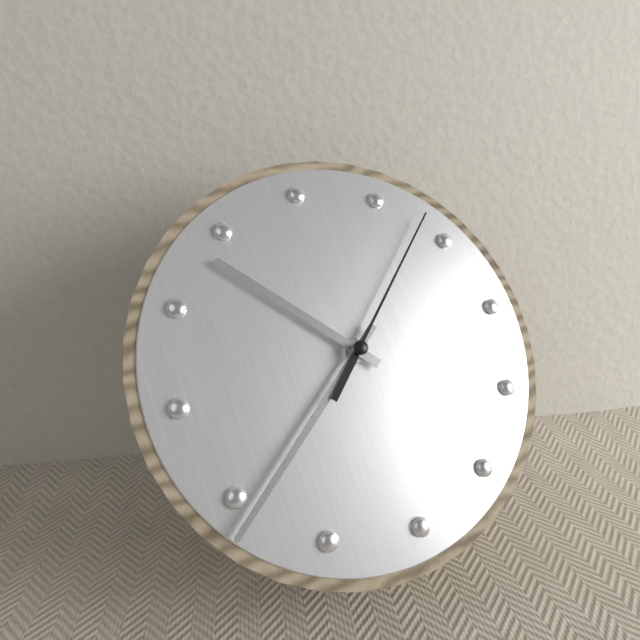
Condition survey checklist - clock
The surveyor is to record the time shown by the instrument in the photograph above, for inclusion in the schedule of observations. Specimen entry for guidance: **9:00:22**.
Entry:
**10:39:08**
